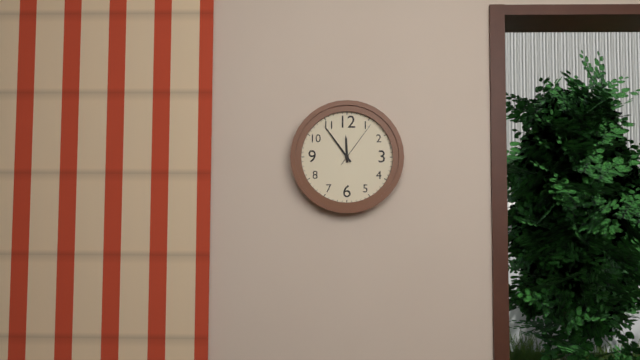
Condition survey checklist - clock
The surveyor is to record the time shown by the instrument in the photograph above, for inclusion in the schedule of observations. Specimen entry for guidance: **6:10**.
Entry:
**11:54**
